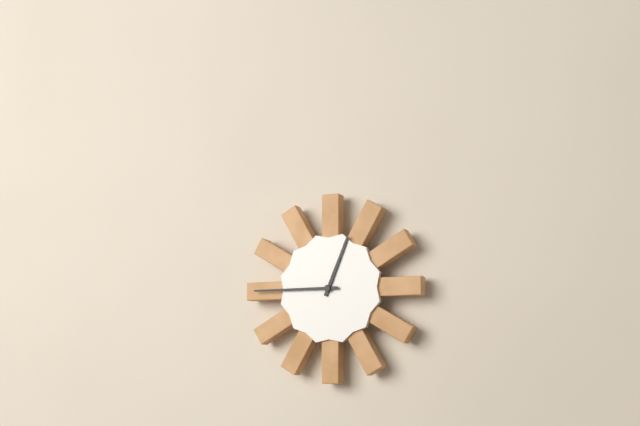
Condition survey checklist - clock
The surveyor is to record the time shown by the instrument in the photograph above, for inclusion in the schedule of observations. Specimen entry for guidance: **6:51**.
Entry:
**12:45**
